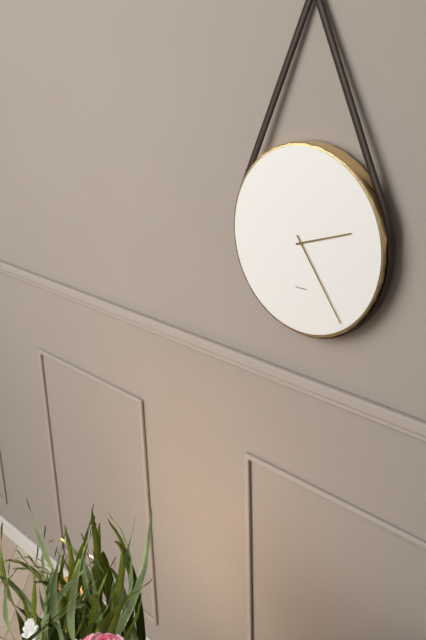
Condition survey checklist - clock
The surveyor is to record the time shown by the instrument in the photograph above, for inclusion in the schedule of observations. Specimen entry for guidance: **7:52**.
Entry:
**2:24**
